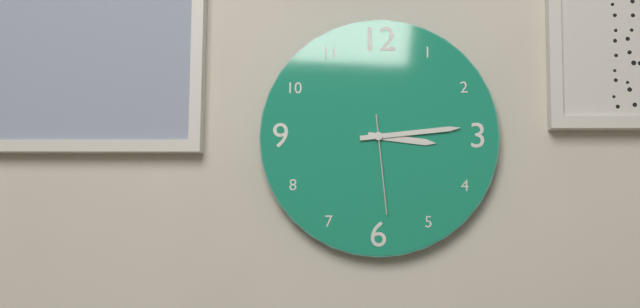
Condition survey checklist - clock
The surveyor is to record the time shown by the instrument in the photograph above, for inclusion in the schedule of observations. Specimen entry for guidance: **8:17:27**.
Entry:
**3:14:29**
